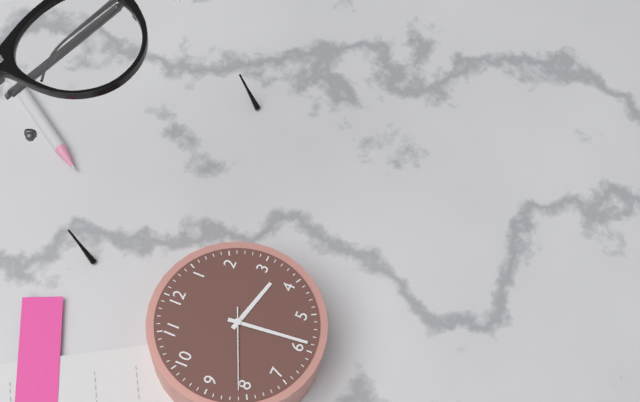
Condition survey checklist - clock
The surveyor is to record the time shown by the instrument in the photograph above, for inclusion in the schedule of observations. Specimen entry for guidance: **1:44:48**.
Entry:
**3:29:41**
